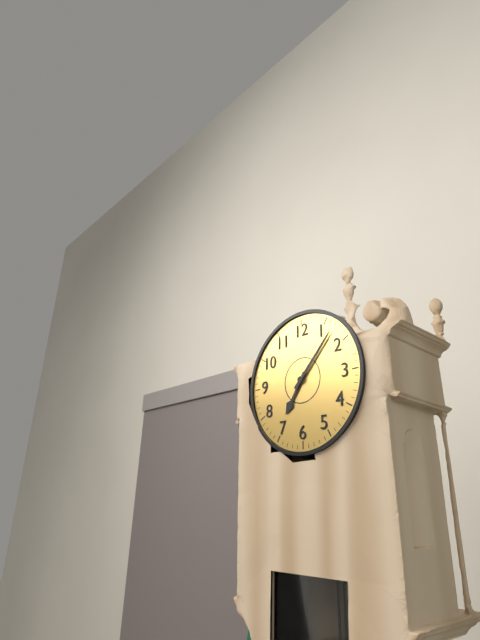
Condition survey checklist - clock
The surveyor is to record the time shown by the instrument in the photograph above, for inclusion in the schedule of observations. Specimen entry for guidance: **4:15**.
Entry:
**7:07**
